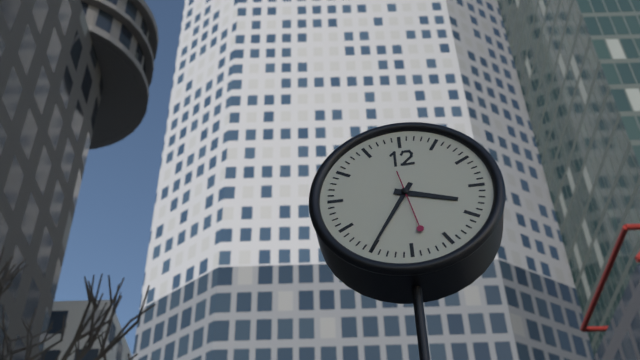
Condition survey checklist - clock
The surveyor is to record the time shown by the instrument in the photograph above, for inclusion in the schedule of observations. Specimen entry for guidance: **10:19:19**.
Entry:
**3:35:28**
